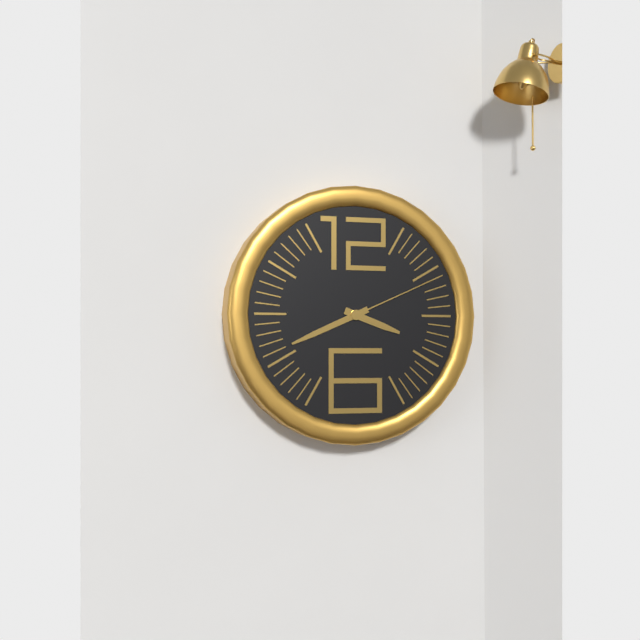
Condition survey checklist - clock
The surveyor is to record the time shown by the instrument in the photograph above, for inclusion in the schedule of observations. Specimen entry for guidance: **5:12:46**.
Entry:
**3:41:11**
